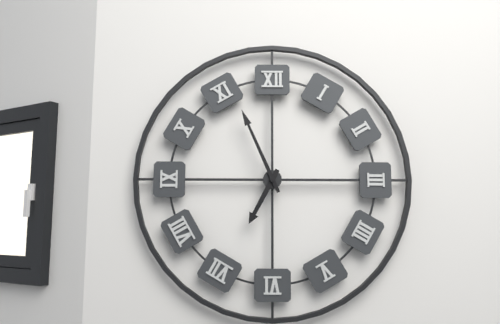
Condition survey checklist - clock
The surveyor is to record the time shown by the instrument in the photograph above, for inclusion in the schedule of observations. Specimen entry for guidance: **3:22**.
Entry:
**6:56**
